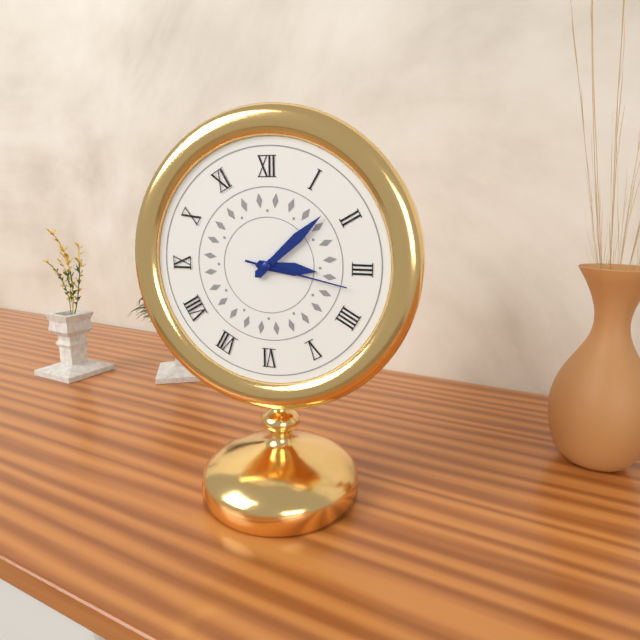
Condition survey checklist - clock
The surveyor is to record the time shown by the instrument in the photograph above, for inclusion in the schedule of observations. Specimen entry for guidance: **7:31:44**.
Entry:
**3:08:17**
